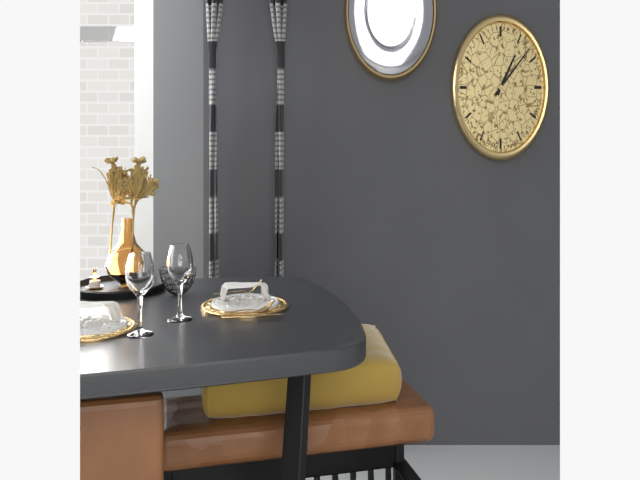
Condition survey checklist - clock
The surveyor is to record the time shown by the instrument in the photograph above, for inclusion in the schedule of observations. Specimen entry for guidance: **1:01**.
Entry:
**1:08**
